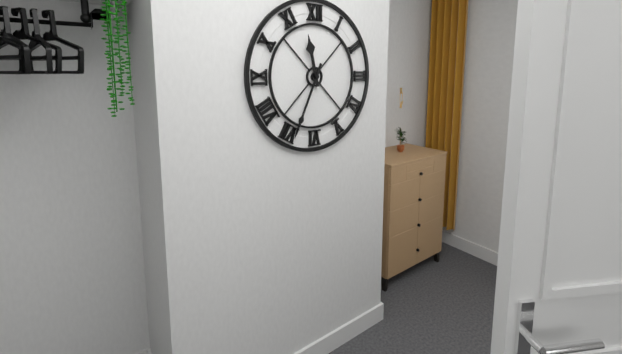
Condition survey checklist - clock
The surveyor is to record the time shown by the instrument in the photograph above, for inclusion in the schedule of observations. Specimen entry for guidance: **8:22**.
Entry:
**11:34**
